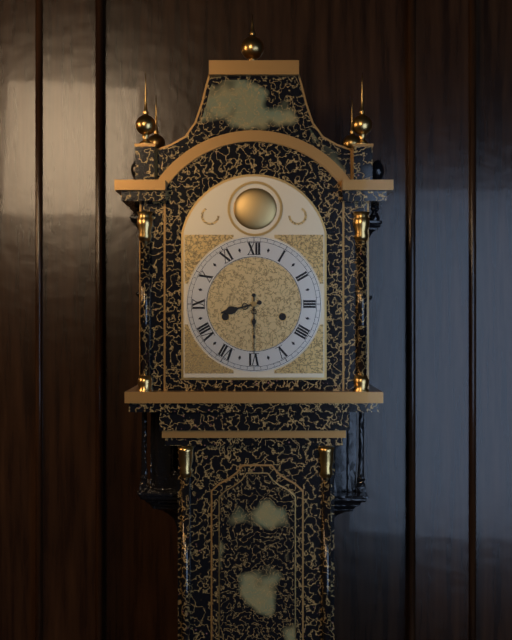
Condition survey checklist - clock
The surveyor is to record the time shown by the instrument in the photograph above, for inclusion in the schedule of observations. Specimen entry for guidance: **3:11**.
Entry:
**8:30**
